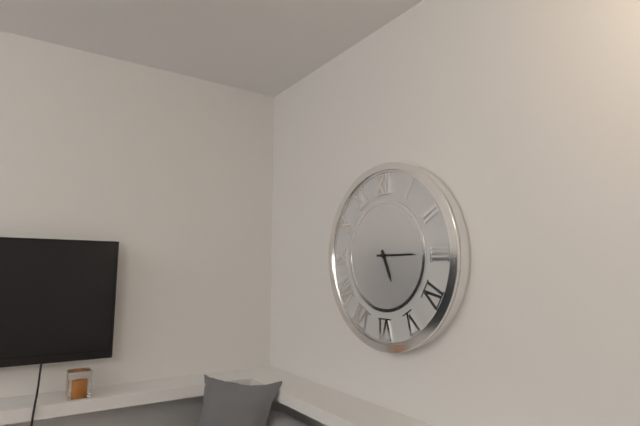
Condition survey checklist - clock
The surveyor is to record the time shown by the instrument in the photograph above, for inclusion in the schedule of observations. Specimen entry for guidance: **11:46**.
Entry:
**5:15**
